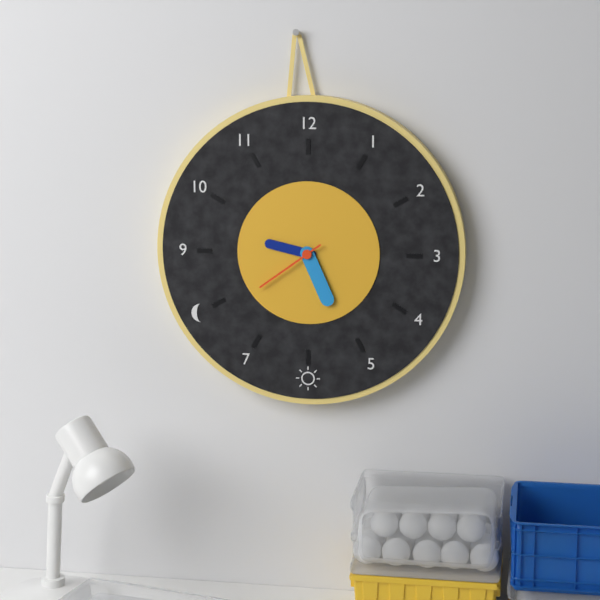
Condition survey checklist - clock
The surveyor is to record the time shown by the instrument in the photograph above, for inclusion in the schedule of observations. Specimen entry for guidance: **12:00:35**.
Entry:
**9:26:39**
